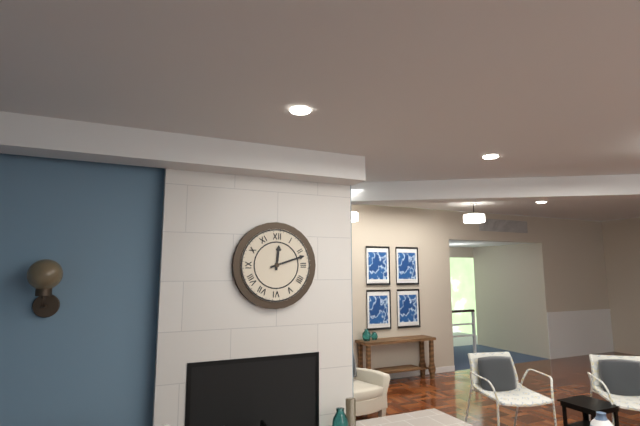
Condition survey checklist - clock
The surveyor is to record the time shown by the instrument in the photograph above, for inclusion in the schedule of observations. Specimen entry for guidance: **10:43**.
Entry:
**12:12**
